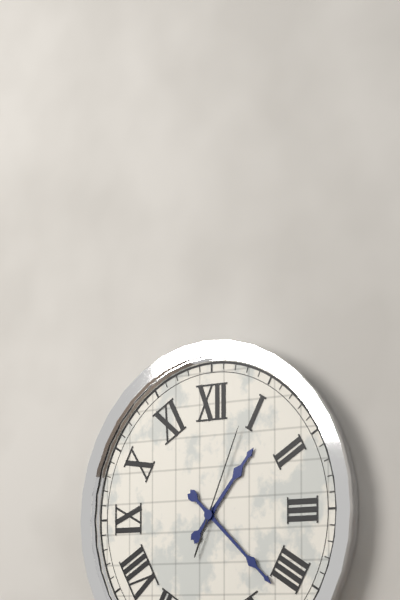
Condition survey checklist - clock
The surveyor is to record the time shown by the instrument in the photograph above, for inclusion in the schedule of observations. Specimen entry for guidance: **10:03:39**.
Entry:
**1:22:04**
